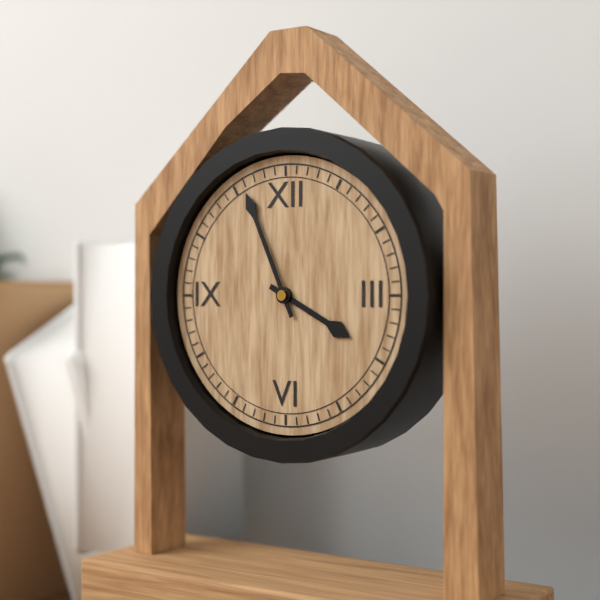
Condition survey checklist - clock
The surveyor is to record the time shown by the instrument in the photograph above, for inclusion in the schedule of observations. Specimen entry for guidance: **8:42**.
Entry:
**3:56**
